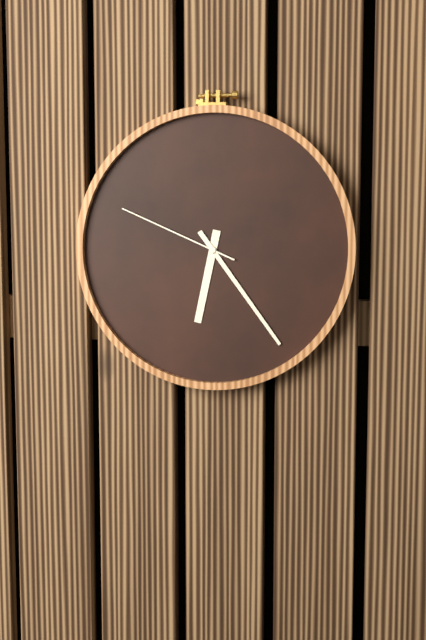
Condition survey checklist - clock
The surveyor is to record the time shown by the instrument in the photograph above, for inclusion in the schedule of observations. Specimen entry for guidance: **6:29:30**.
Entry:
**6:24:49**
